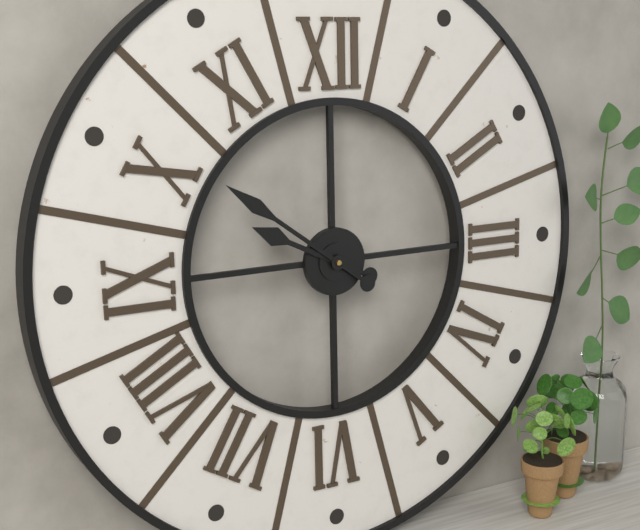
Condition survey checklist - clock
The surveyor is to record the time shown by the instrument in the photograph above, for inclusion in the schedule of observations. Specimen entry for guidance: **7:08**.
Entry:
**9:51**
